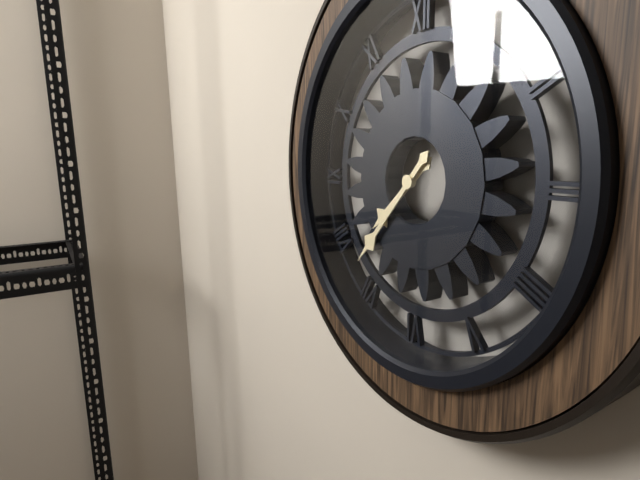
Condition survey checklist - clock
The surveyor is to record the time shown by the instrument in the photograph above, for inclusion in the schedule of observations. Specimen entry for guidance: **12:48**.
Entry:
**7:37**
